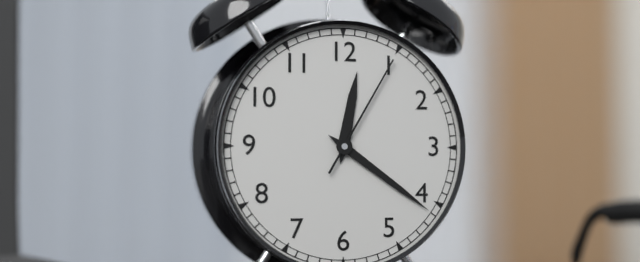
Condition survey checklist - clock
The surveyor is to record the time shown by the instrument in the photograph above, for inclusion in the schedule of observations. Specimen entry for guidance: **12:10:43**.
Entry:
**12:21:05**
